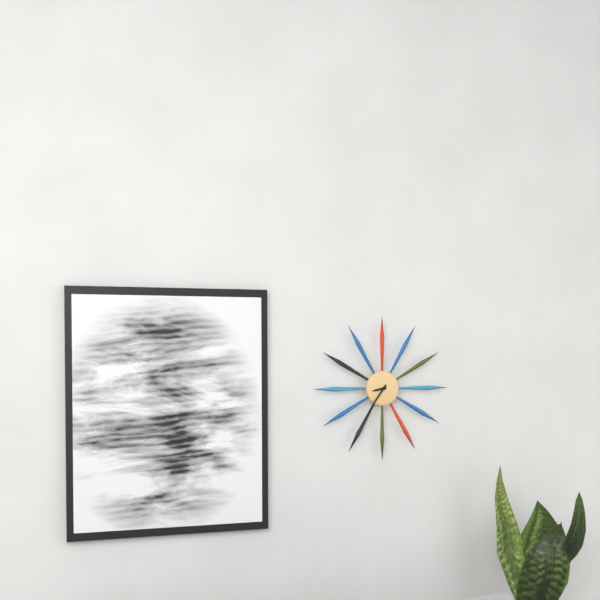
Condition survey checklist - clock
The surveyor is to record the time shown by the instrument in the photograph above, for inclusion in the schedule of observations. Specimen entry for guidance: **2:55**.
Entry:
**8:36**
